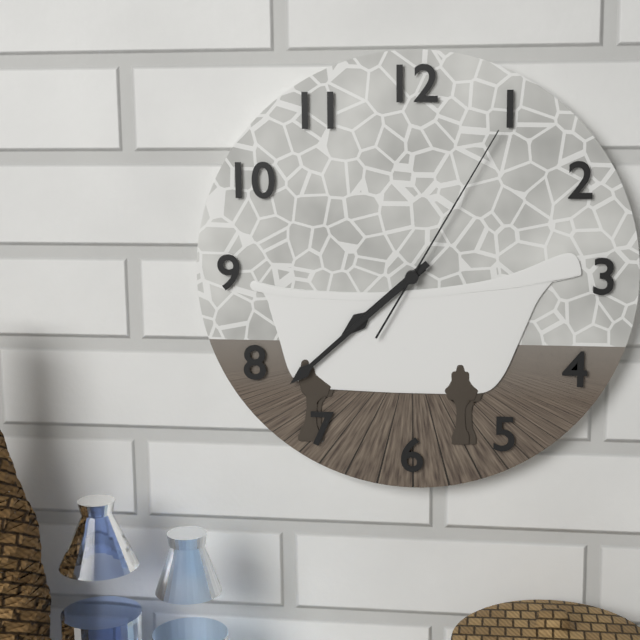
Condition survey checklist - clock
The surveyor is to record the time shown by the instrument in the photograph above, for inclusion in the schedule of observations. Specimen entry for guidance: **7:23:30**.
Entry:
**7:38:05**
